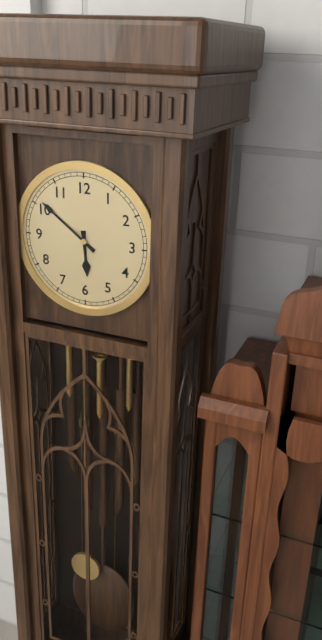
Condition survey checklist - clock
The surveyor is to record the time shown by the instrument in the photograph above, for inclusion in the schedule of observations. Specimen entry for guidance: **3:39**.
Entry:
**5:51**
